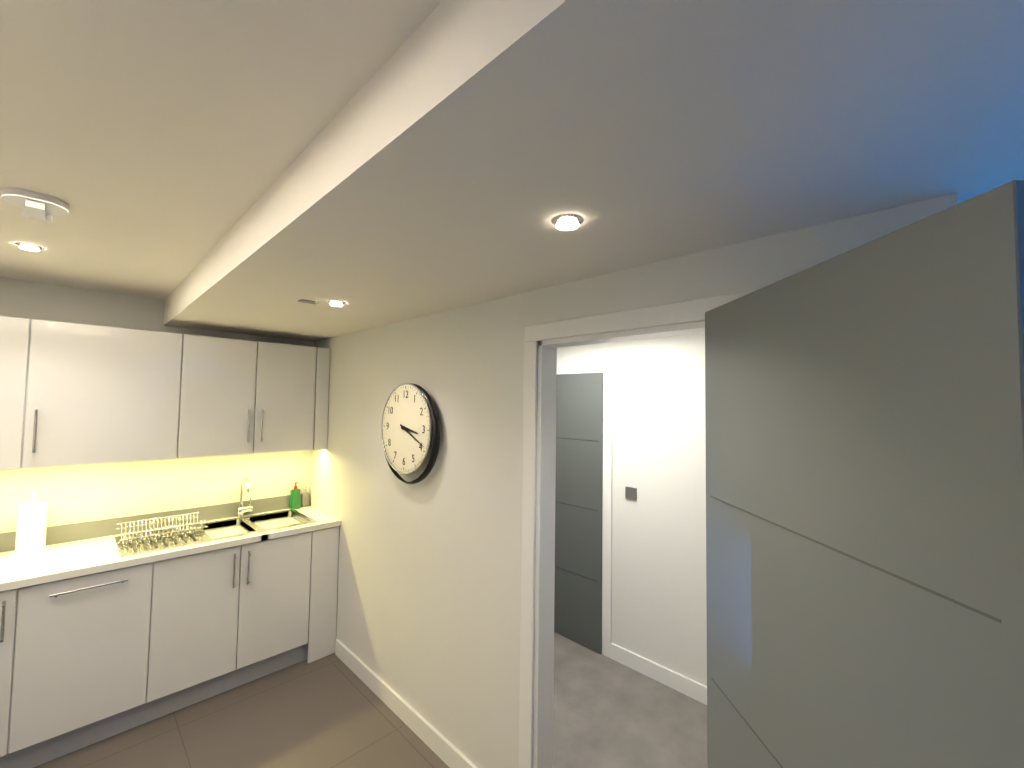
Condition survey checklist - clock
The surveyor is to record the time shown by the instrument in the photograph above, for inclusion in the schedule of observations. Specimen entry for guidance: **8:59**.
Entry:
**3:19**
